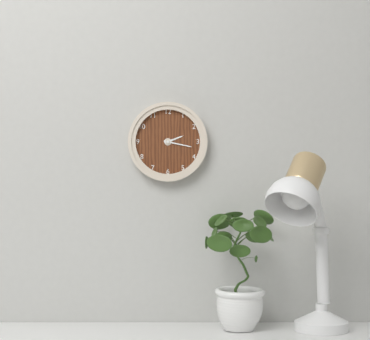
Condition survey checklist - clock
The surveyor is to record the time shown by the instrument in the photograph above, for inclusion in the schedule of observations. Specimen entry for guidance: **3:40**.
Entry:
**2:17**
